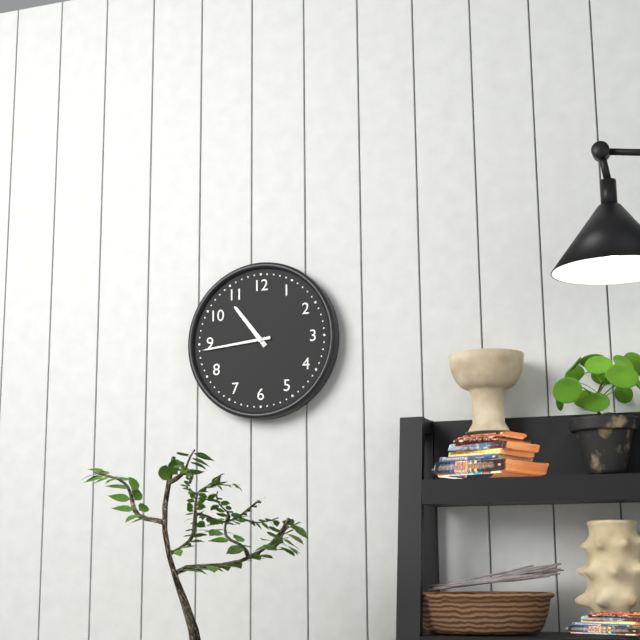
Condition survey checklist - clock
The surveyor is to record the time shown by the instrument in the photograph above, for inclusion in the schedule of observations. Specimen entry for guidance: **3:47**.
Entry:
**10:44**
